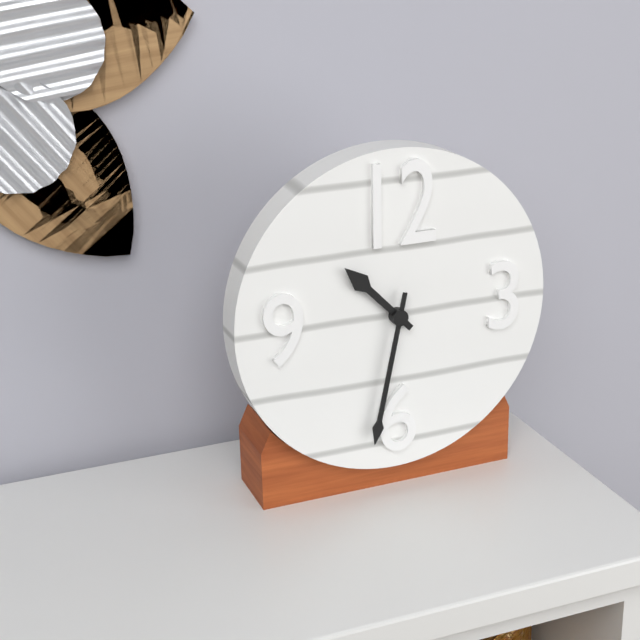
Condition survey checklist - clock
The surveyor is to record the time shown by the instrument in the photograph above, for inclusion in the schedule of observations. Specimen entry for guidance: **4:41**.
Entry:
**10:32**
